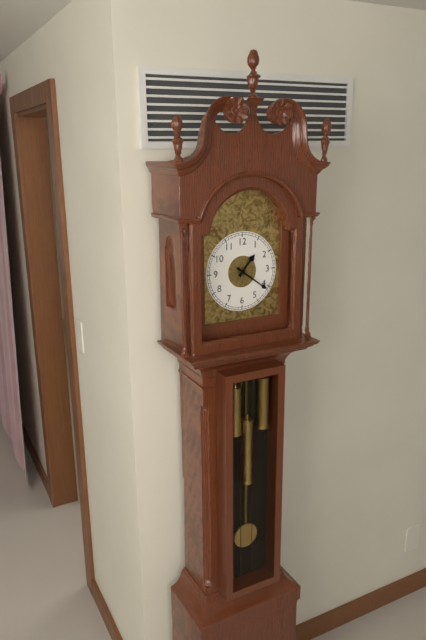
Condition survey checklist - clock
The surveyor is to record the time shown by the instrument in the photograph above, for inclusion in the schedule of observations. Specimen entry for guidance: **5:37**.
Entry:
**1:21**
